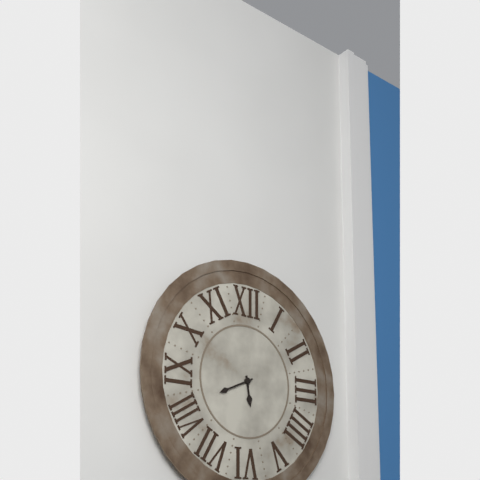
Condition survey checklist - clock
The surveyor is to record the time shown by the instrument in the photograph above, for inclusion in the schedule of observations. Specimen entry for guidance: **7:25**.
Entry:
**5:41**
